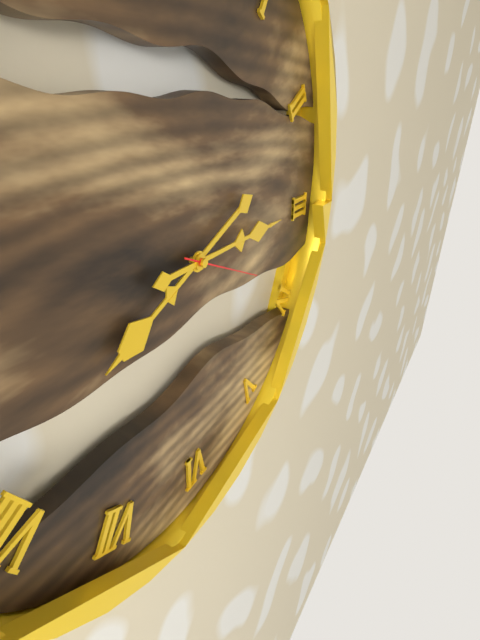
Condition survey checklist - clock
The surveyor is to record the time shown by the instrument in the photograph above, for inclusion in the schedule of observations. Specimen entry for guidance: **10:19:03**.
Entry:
**8:15:19**
